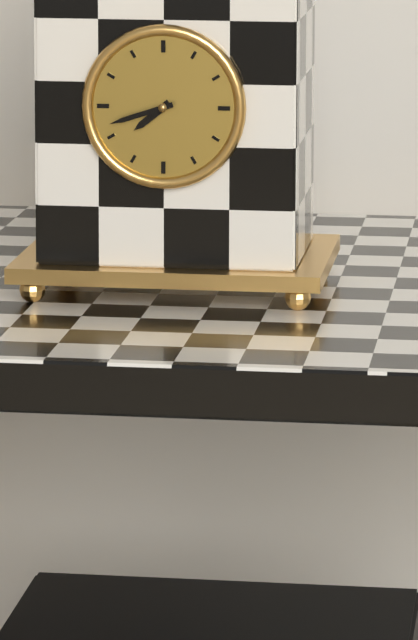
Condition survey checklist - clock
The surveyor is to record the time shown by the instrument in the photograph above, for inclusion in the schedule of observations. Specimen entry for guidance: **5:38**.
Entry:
**7:42**
